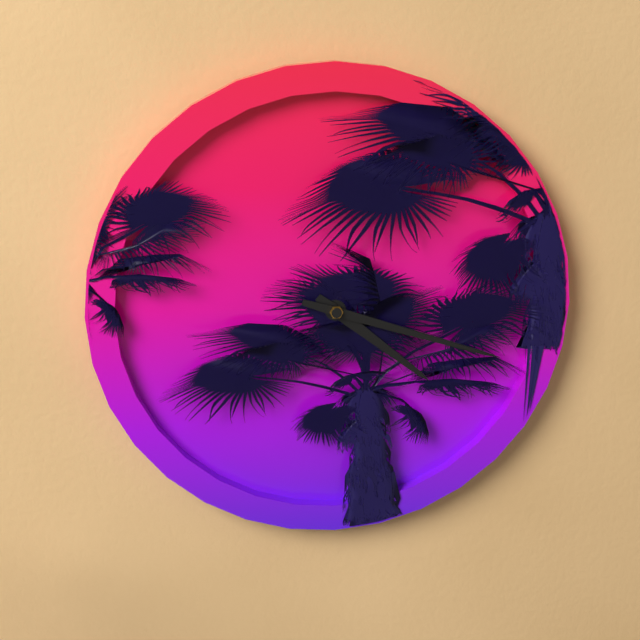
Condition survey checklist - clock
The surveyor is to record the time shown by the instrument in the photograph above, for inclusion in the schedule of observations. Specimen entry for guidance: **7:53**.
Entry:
**4:18**
